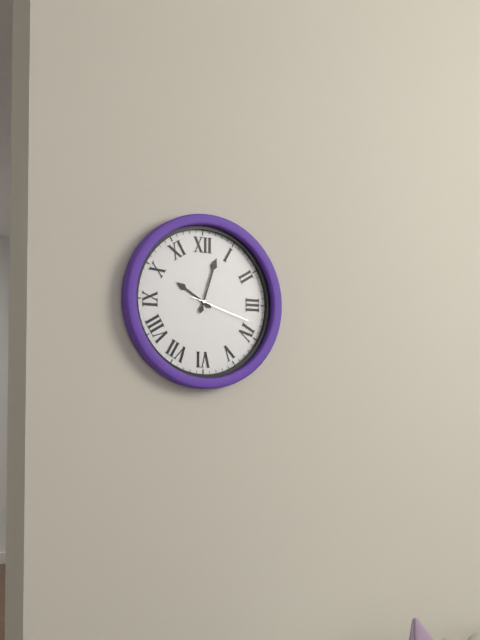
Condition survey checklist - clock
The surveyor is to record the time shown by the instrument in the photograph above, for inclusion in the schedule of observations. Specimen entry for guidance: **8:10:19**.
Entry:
**10:03:18**
